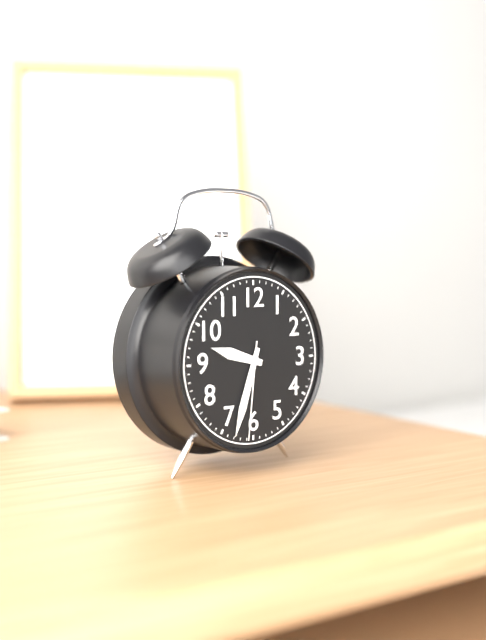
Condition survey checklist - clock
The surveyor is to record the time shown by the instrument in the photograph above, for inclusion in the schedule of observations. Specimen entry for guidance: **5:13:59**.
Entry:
**9:33:31**
